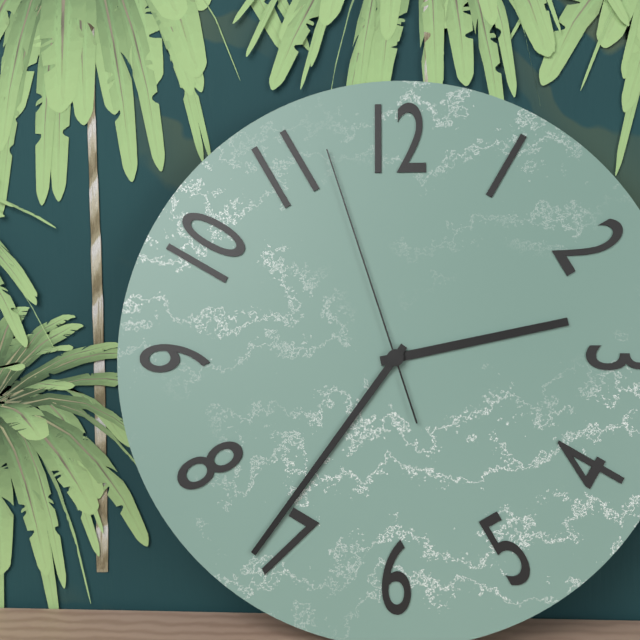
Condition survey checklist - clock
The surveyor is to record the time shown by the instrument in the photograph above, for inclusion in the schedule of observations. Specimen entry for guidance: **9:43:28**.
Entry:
**2:36:57**
